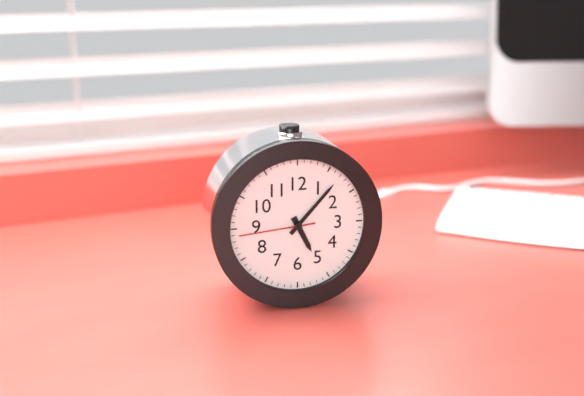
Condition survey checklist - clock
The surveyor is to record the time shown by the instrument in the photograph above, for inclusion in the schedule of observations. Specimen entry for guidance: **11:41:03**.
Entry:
**5:07:44**
